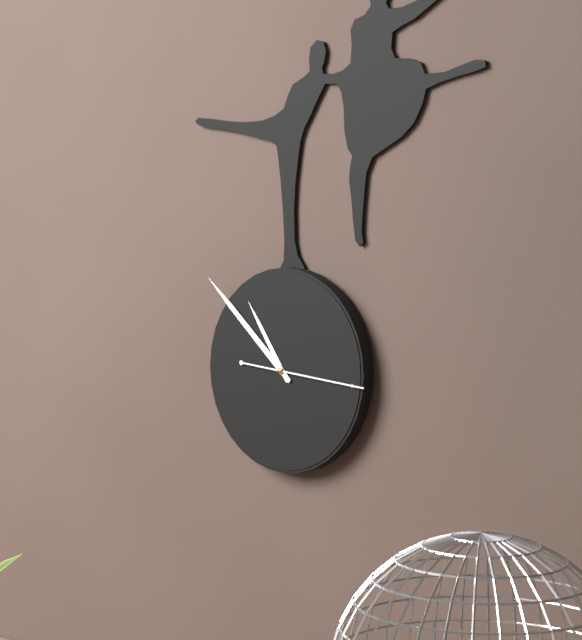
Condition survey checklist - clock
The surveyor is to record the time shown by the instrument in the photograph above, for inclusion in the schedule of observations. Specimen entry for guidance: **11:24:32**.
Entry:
**10:52:16**
